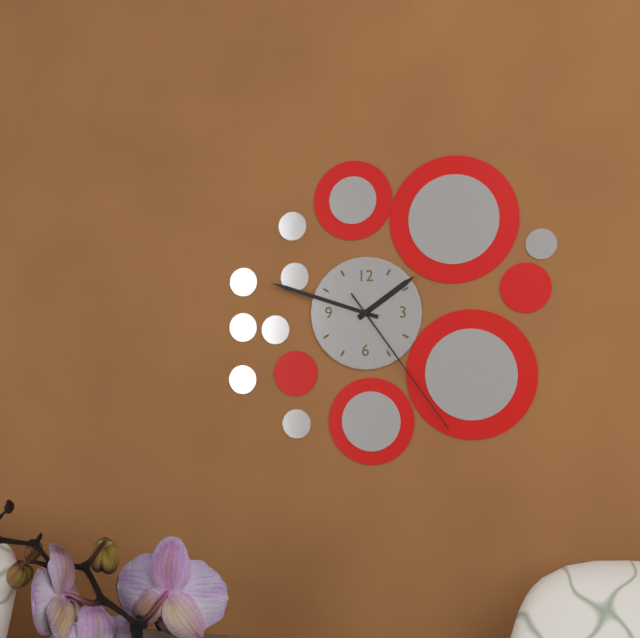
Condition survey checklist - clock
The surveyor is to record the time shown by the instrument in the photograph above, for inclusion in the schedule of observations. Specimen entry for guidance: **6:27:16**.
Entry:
**1:48:24**
